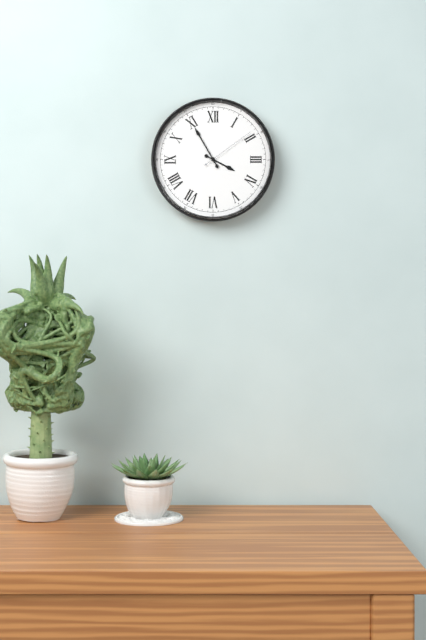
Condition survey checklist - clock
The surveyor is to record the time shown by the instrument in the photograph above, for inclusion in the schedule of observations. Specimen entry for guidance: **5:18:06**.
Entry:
**3:55:09**
